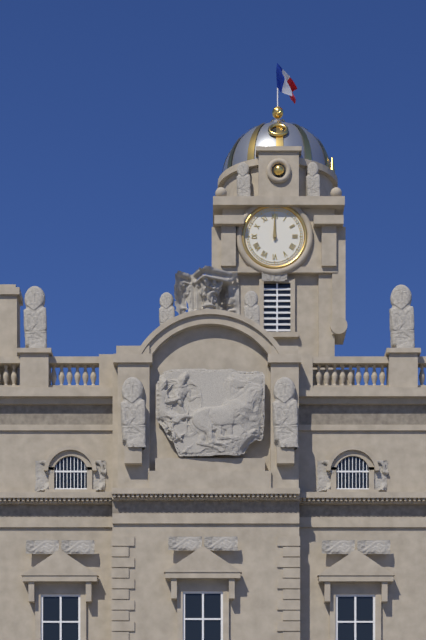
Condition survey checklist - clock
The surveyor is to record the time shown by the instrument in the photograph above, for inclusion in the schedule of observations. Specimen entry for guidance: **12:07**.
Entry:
**12:00**
